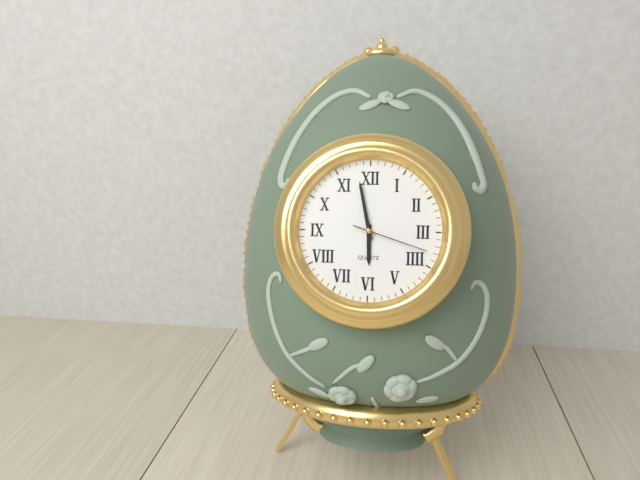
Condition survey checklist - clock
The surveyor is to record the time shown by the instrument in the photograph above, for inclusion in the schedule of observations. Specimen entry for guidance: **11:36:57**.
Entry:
**5:58:18**
